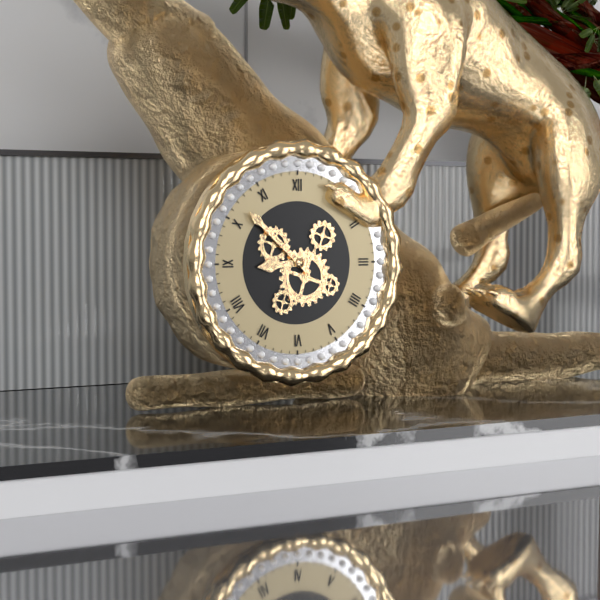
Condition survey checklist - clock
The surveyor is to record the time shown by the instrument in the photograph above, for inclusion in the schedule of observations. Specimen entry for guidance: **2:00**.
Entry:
**8:52**
